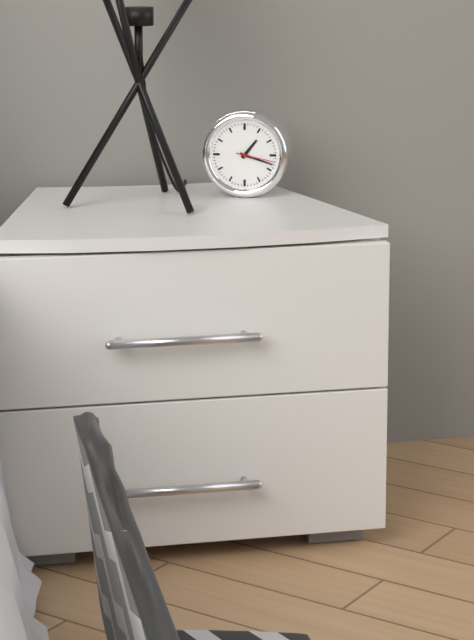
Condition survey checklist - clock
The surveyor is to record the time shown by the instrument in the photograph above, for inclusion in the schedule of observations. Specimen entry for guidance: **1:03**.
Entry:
**1:18**
